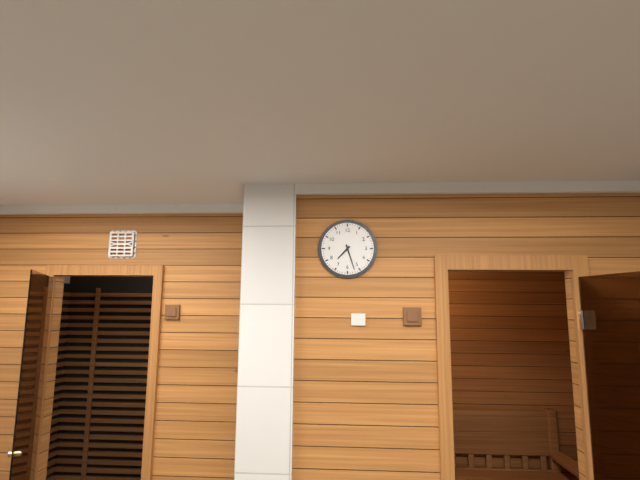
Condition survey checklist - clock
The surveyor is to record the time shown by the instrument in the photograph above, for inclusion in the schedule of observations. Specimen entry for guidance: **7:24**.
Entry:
**7:27**
